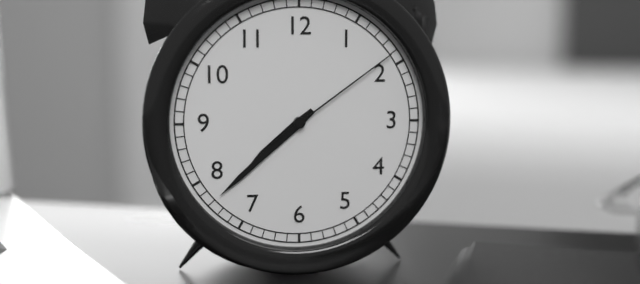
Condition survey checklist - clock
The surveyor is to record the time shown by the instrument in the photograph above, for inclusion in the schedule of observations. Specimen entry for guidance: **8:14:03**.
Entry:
**7:38:09**
